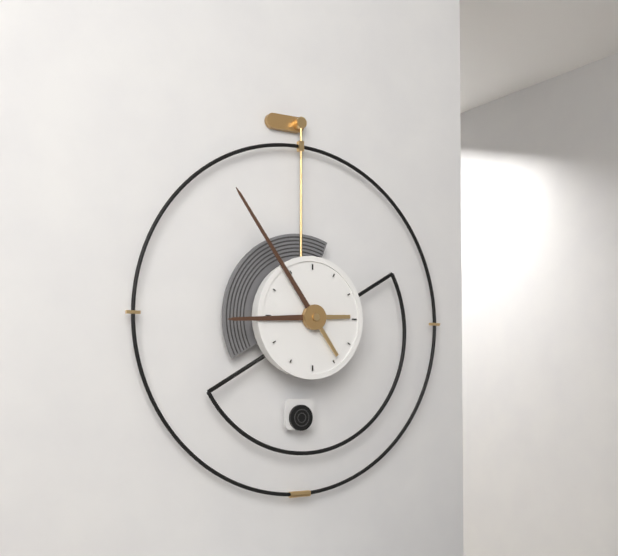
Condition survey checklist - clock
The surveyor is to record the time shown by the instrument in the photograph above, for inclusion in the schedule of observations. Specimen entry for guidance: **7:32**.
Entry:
**8:54**
